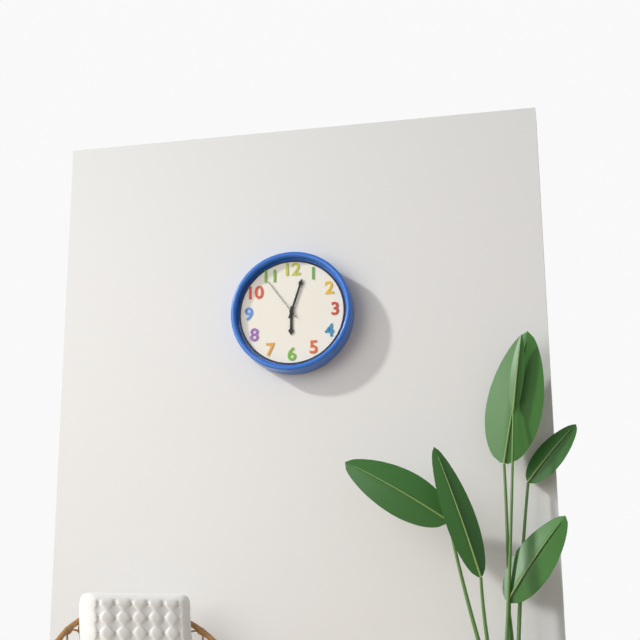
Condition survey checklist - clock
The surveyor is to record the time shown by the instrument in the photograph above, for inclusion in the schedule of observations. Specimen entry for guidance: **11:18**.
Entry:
**6:03**
